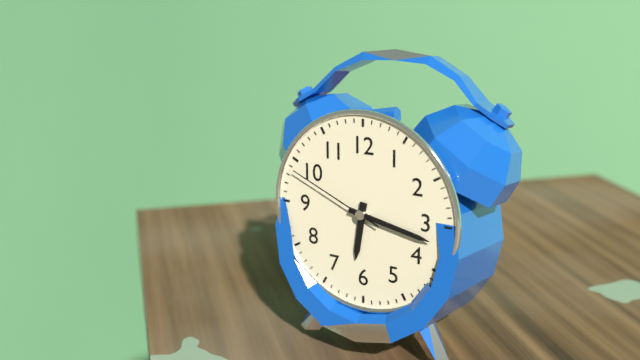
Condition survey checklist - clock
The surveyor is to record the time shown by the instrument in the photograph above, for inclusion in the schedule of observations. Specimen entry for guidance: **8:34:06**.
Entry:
**6:17:49**
